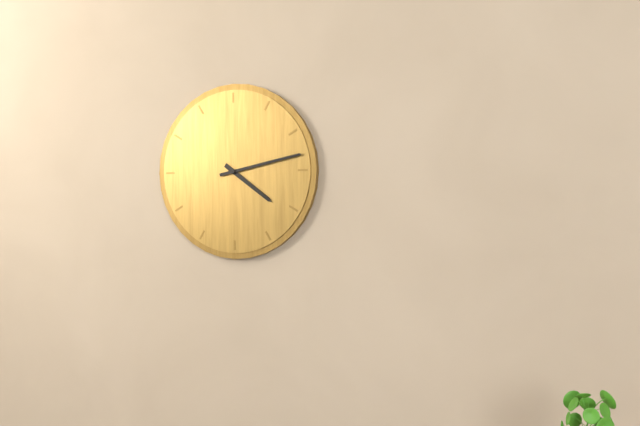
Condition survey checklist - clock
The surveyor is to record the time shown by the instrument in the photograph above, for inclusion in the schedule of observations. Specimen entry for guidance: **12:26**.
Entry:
**4:13**
